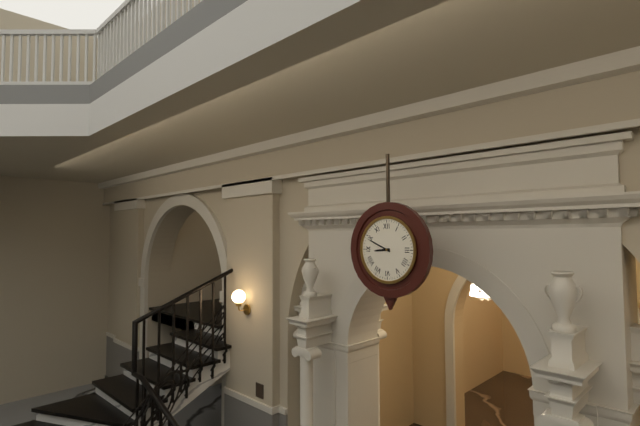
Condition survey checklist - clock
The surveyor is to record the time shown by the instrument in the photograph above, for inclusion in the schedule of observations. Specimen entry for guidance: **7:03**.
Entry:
**8:49**
